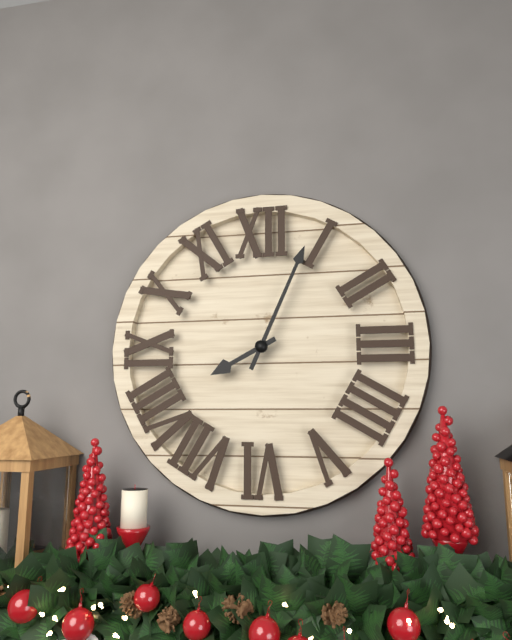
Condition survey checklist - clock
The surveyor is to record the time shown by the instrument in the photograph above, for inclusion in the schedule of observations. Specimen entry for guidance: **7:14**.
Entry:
**8:04**
